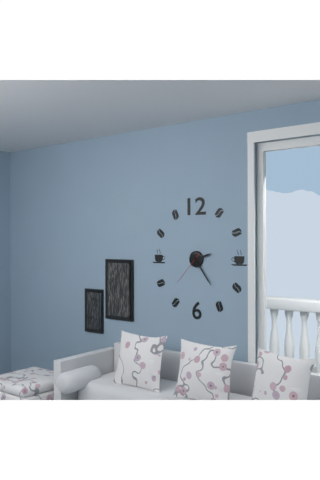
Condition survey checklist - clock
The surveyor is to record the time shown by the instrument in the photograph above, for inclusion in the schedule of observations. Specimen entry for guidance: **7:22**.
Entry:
**2:24**
